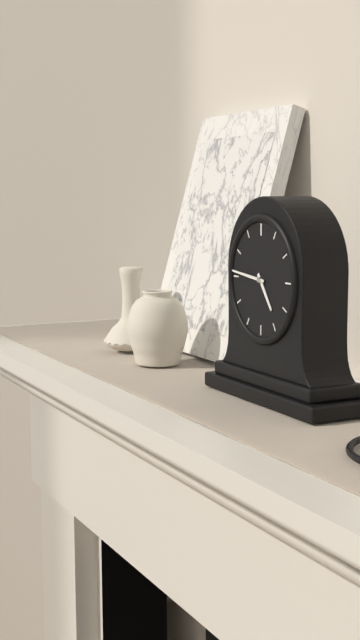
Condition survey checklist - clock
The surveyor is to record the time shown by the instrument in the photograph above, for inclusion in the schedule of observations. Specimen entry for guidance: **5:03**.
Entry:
**4:46**
